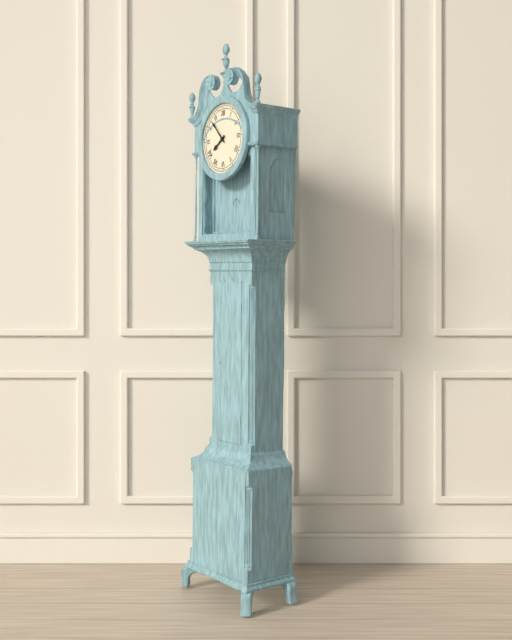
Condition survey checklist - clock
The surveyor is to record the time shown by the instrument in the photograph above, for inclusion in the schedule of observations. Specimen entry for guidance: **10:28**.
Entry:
**7:53**
